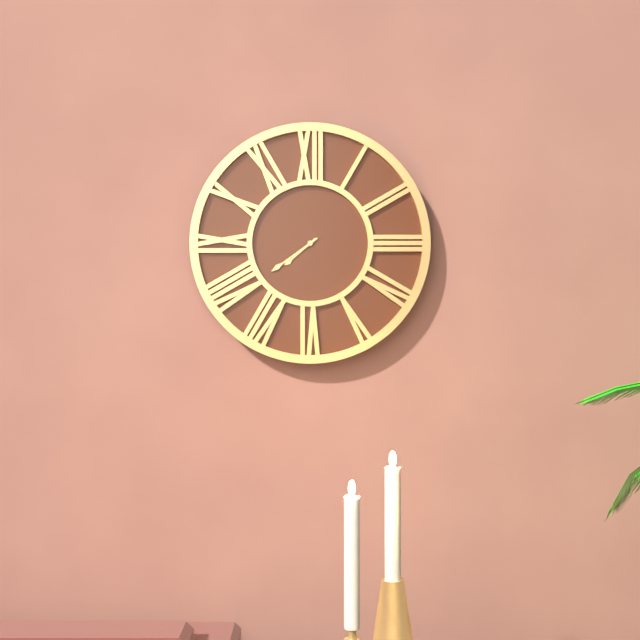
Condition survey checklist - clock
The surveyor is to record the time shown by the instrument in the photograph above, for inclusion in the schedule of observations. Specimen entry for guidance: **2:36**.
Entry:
**7:39**
